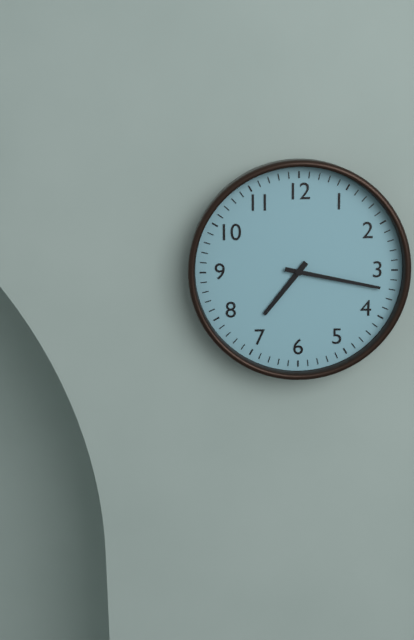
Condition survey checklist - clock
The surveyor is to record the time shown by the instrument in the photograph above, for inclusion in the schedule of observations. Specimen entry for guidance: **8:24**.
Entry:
**7:17**
